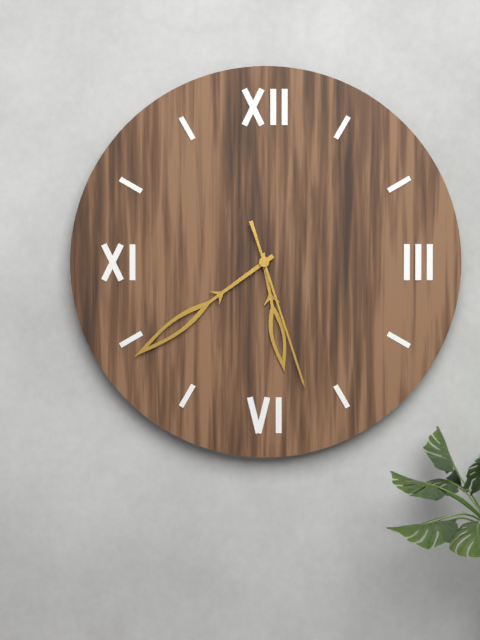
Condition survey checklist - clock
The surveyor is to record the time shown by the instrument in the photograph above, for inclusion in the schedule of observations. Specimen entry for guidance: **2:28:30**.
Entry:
**5:39:27**
